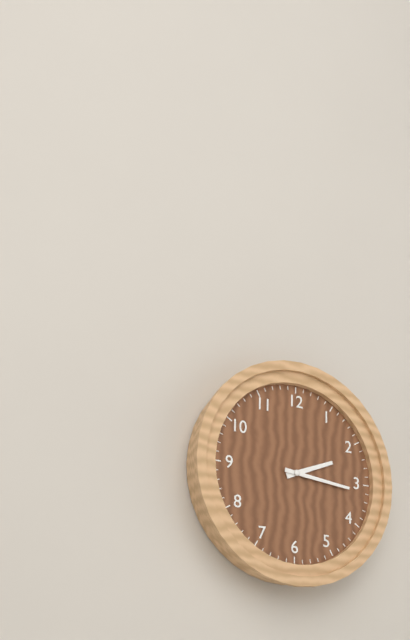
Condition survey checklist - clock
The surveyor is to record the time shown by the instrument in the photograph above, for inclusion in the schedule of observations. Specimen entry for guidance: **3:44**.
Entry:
**2:16**
